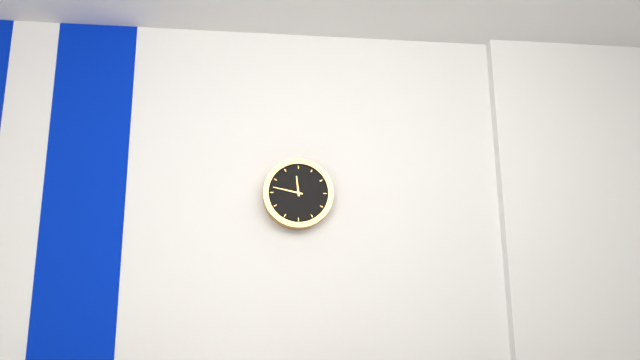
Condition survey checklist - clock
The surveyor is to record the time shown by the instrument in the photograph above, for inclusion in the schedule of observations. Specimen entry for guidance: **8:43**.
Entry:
**11:47**
